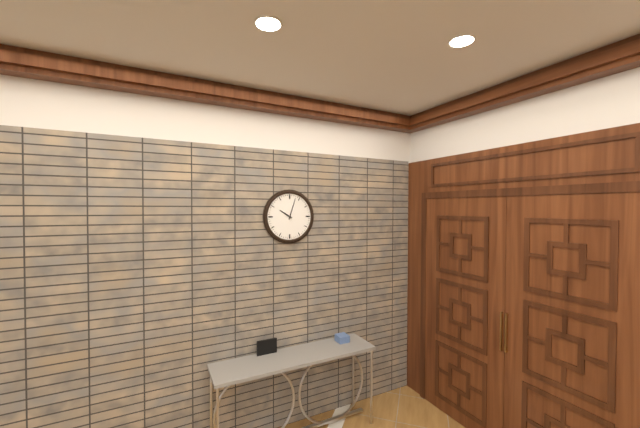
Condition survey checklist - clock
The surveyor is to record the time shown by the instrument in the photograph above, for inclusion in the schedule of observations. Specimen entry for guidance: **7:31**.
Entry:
**10:03**
